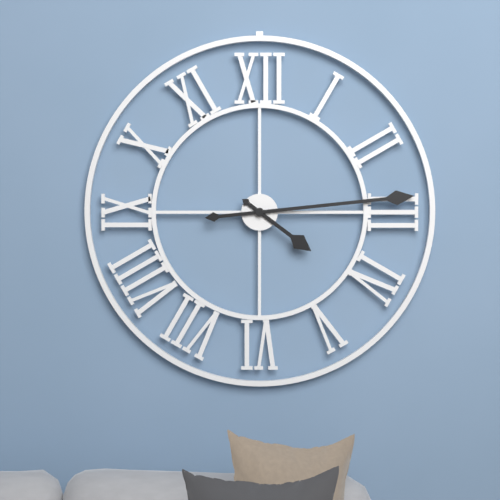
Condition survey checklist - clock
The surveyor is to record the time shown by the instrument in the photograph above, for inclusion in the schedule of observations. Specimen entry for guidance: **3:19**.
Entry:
**4:14**
